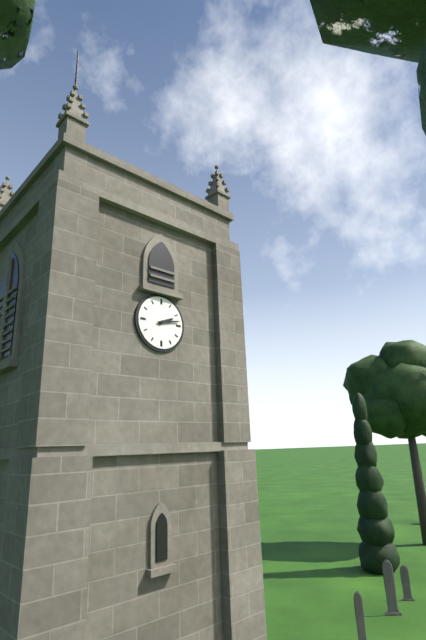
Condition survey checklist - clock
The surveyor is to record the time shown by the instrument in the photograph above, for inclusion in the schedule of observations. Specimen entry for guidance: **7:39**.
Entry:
**2:13**
